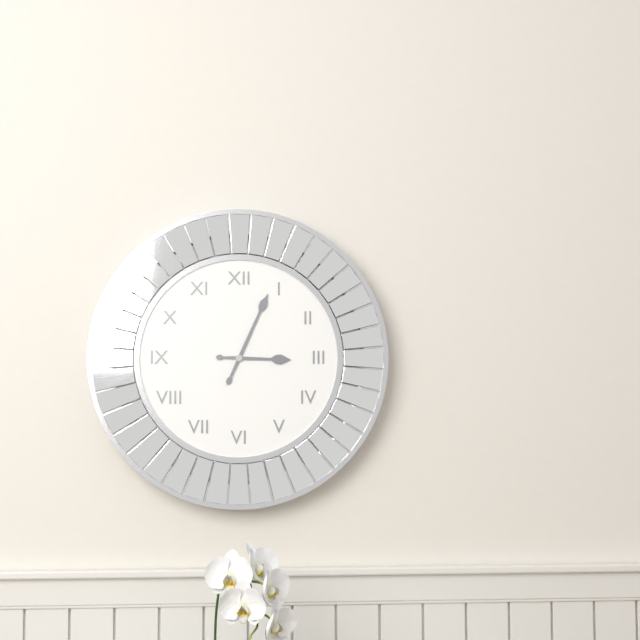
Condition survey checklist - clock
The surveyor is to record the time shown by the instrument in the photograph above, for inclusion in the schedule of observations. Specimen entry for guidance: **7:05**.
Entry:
**3:04**
